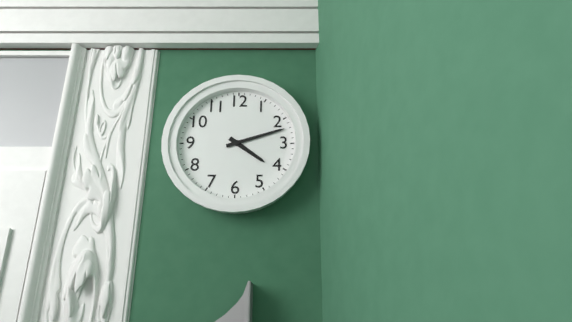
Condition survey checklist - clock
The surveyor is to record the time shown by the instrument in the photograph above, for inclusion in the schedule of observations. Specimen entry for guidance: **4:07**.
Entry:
**4:12**
